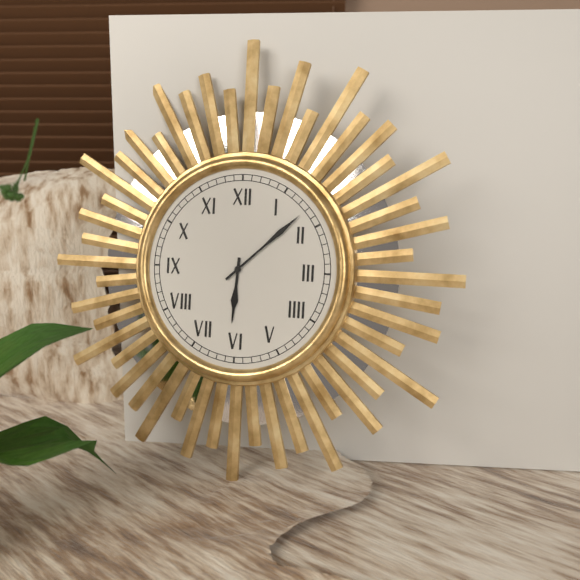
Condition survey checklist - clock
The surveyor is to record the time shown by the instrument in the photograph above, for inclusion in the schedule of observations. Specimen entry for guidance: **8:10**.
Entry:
**6:08**
